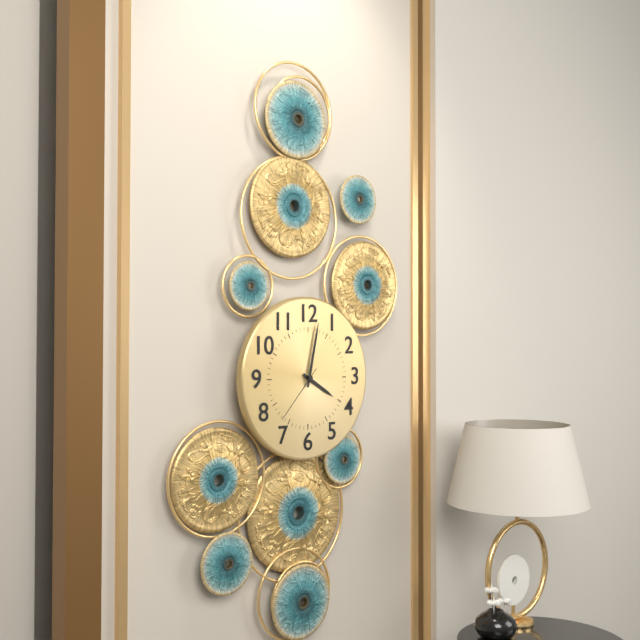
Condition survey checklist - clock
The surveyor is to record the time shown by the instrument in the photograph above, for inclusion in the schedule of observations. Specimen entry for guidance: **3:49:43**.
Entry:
**4:02:37**
